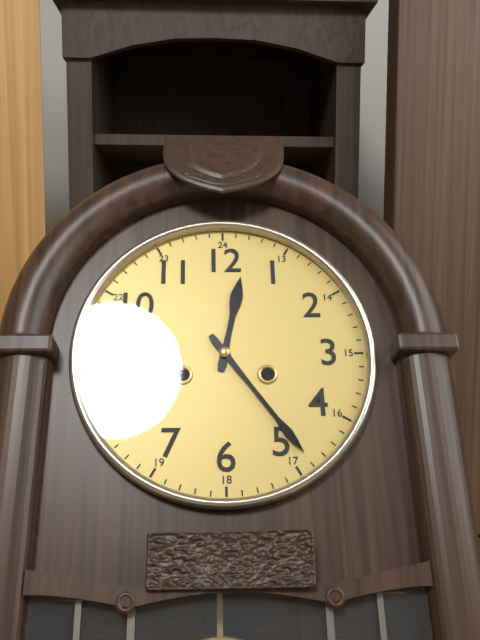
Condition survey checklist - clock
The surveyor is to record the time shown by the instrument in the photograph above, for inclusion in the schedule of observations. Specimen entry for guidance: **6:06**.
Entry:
**12:24**
